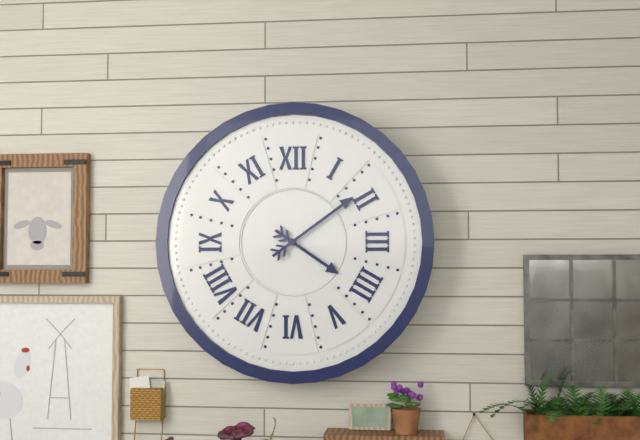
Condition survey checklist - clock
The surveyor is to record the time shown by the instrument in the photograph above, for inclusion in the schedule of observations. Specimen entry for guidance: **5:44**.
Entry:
**4:09**
